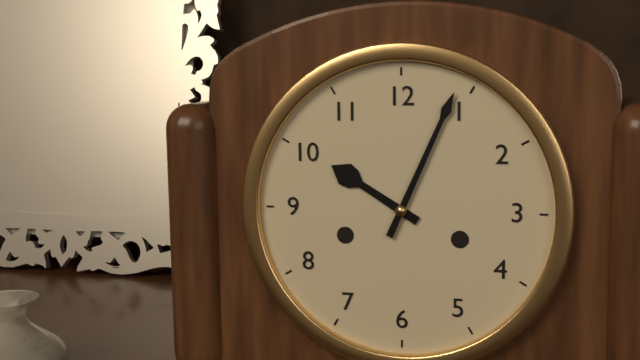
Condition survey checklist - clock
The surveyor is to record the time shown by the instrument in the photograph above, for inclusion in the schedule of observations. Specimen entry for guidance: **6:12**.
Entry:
**10:04**
